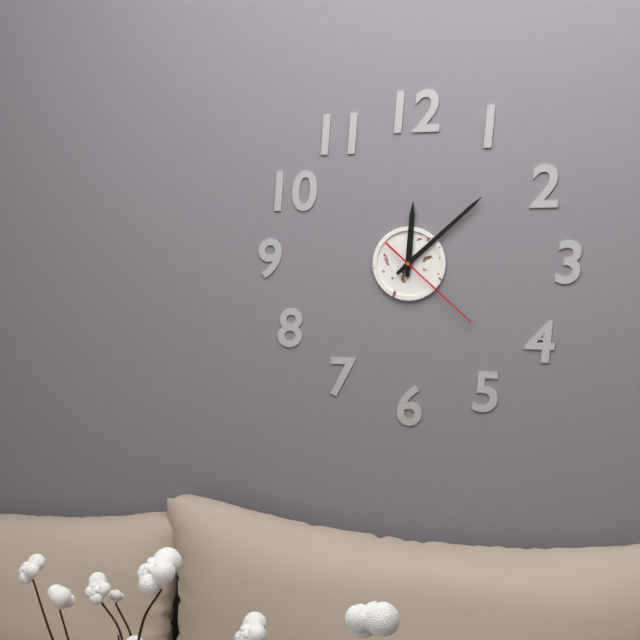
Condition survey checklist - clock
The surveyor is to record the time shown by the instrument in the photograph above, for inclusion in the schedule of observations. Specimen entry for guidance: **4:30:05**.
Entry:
**12:08:22**
